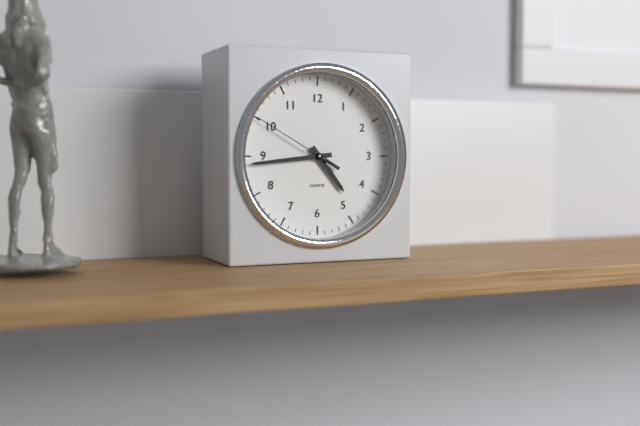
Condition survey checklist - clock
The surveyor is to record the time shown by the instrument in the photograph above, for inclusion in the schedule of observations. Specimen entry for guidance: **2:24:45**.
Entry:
**4:44:50**
